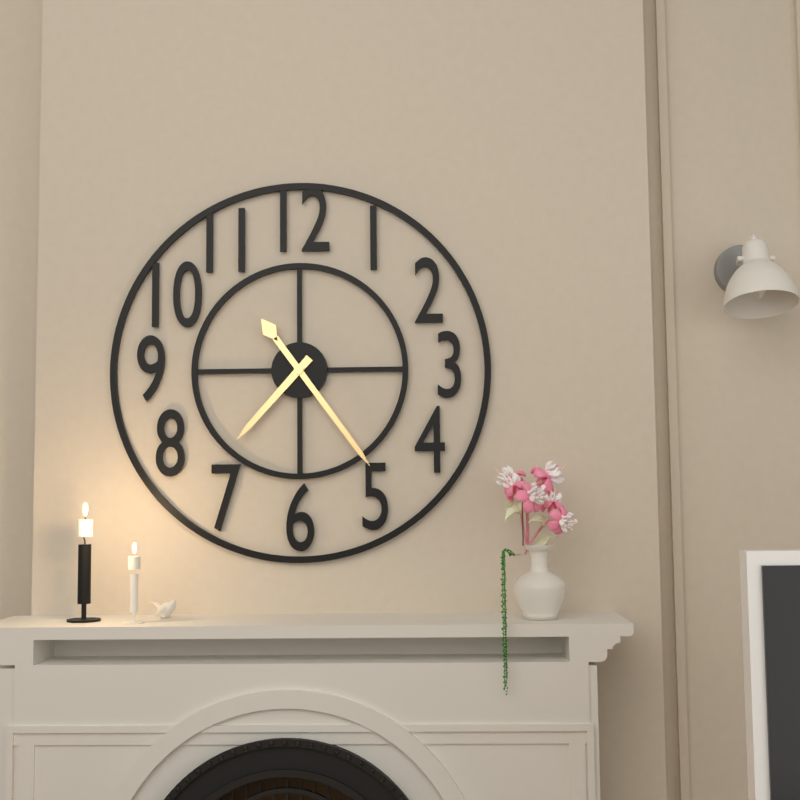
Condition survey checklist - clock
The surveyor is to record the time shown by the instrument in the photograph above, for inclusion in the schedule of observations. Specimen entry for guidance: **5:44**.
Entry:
**7:24**
